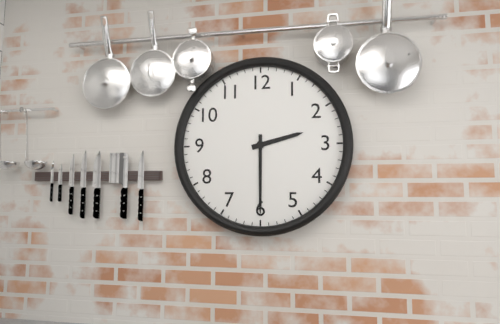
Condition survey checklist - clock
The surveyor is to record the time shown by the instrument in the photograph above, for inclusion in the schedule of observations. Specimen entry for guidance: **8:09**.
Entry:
**2:30**
